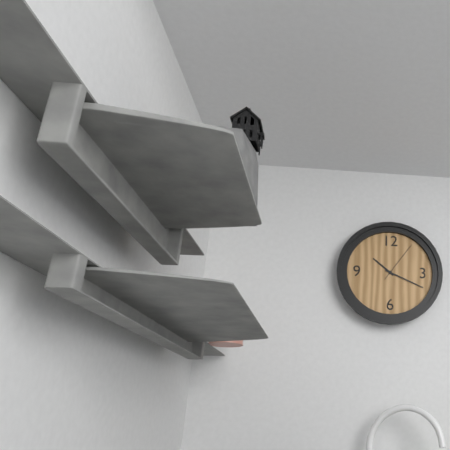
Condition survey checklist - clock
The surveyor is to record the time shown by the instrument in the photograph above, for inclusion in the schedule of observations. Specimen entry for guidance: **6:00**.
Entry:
**10:19**
